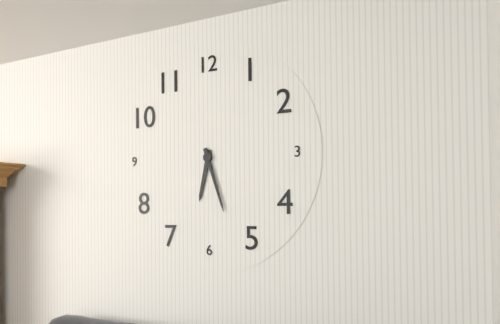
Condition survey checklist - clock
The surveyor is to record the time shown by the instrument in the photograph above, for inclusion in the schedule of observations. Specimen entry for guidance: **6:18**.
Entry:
**6:27**
